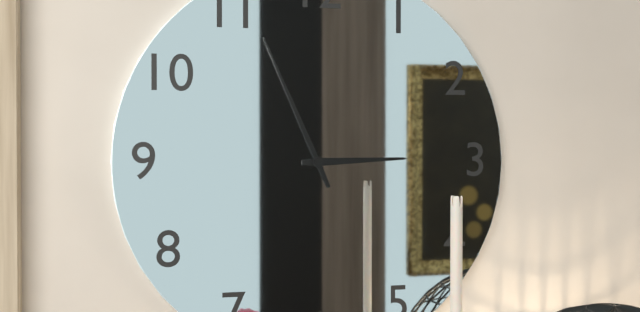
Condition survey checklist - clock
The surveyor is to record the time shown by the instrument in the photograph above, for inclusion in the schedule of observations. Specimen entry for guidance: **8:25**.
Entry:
**2:56**
